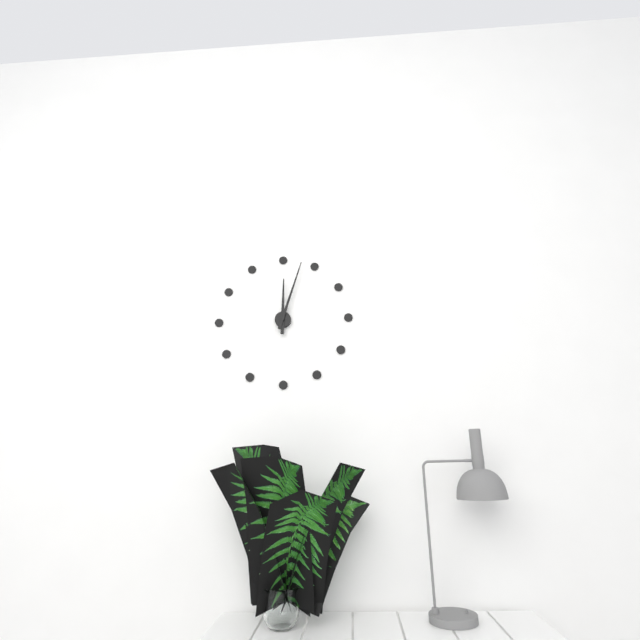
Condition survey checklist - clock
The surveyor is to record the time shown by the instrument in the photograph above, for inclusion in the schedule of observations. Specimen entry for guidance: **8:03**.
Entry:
**12:03**
